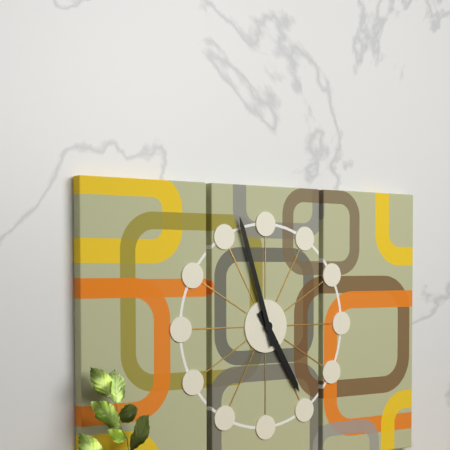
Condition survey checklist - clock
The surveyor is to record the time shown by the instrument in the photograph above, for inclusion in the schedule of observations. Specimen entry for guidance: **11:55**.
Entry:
**4:57**
